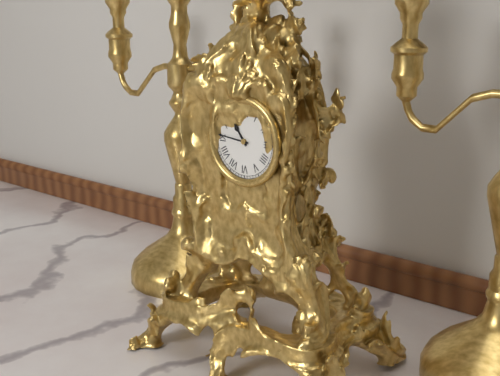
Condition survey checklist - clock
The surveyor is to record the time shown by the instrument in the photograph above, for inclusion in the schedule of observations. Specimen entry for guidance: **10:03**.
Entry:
**10:46**
